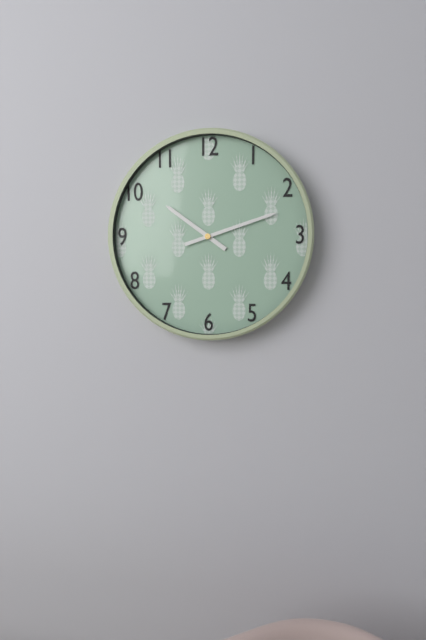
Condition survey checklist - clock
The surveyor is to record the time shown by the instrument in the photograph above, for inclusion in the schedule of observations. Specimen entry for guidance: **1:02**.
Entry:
**10:12**
